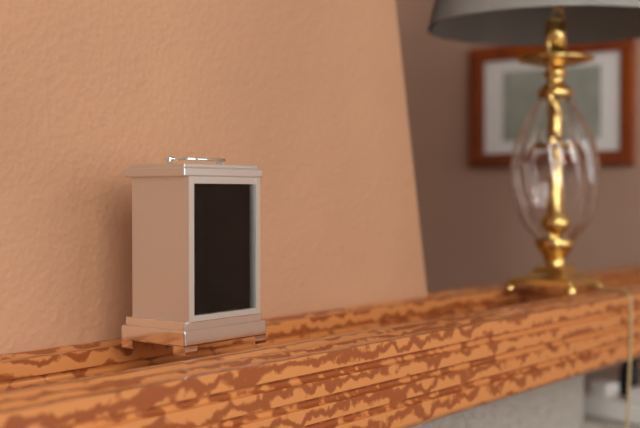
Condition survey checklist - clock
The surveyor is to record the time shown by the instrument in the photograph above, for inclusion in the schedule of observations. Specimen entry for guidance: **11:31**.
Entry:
**10:25**
